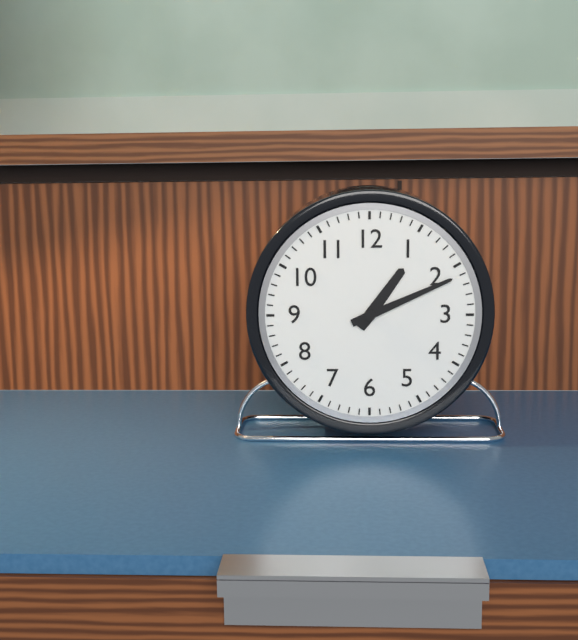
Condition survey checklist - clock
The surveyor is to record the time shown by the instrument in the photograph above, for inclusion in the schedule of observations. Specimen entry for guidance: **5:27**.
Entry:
**1:11**
